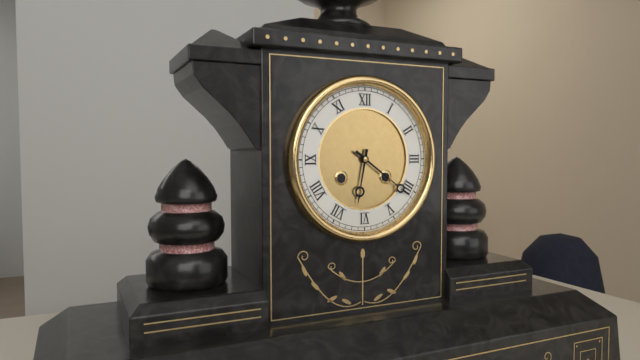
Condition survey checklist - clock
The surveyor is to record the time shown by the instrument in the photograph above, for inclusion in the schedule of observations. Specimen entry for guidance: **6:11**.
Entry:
**6:21**
